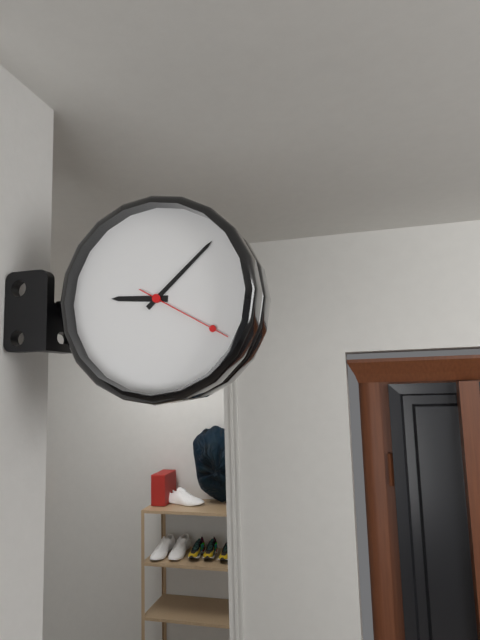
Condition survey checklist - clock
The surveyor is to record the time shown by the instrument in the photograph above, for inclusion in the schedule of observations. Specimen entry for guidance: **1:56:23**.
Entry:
**9:08:20**
